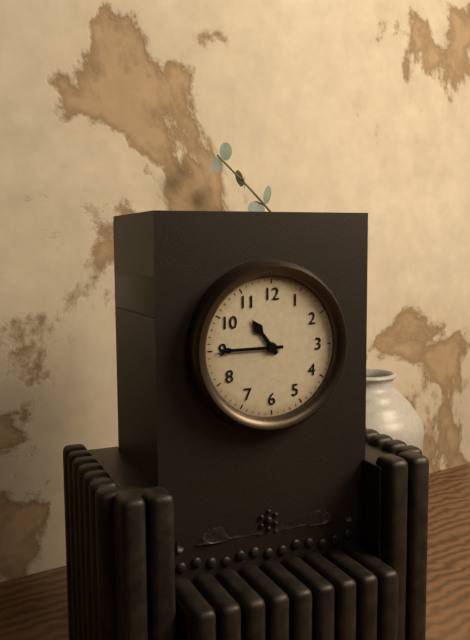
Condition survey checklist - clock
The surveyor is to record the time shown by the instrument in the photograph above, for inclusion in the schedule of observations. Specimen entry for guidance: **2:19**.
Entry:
**10:45**
